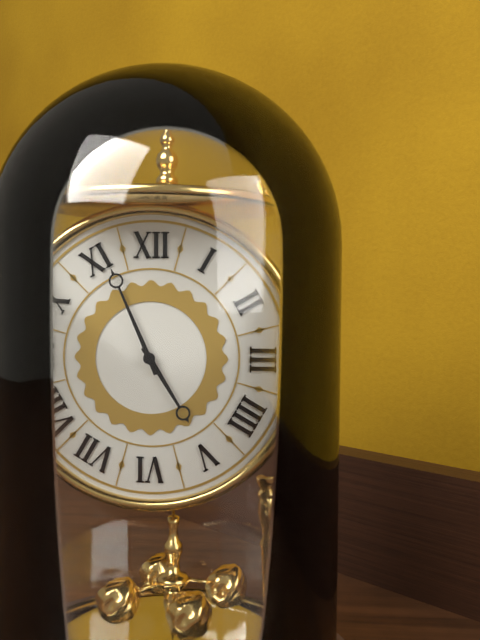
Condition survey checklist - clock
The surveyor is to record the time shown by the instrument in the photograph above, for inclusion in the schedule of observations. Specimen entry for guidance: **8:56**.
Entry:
**4:56**
